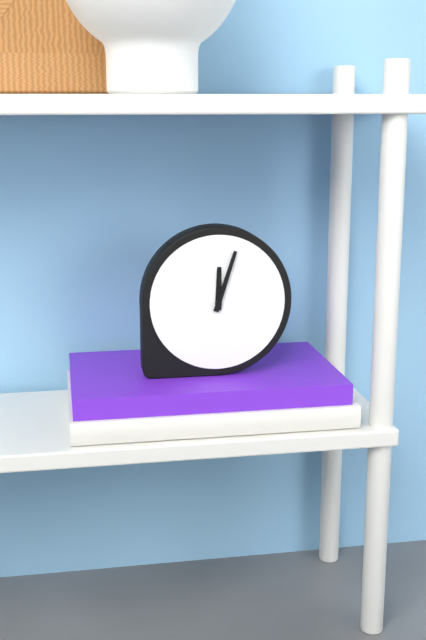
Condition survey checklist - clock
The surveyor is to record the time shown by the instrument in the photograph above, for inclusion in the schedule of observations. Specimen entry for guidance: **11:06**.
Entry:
**12:03**
